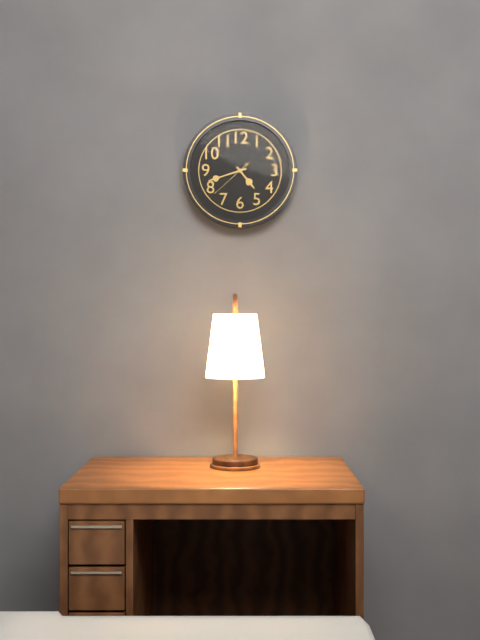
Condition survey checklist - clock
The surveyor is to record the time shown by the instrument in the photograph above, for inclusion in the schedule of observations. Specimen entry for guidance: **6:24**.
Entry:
**4:42**
